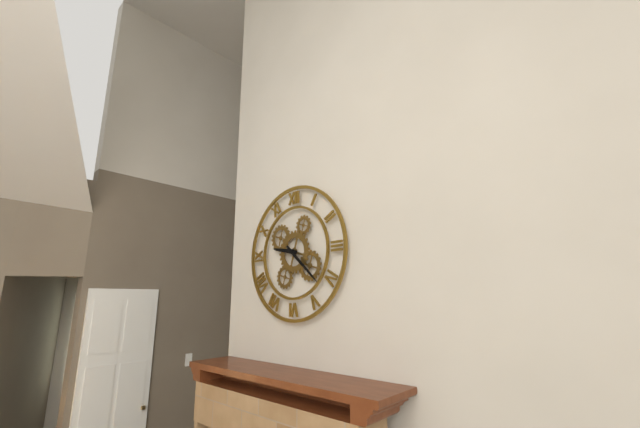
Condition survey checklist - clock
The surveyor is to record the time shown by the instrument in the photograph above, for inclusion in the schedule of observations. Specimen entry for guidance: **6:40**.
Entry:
**9:22**
